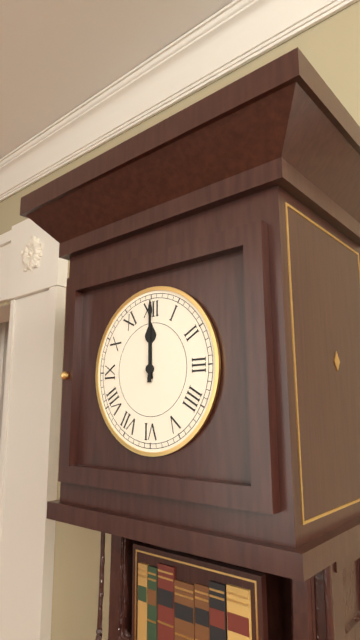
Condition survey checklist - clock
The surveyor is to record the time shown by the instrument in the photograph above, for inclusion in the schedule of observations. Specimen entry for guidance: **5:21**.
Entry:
**12:00**
